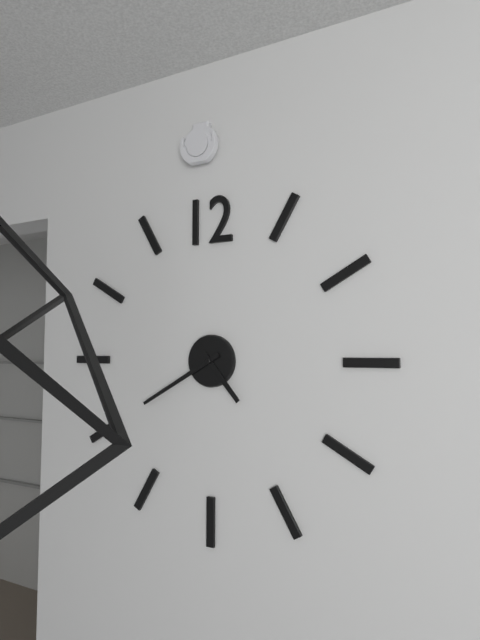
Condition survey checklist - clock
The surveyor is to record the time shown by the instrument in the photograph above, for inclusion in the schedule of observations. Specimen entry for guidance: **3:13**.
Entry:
**4:40**
